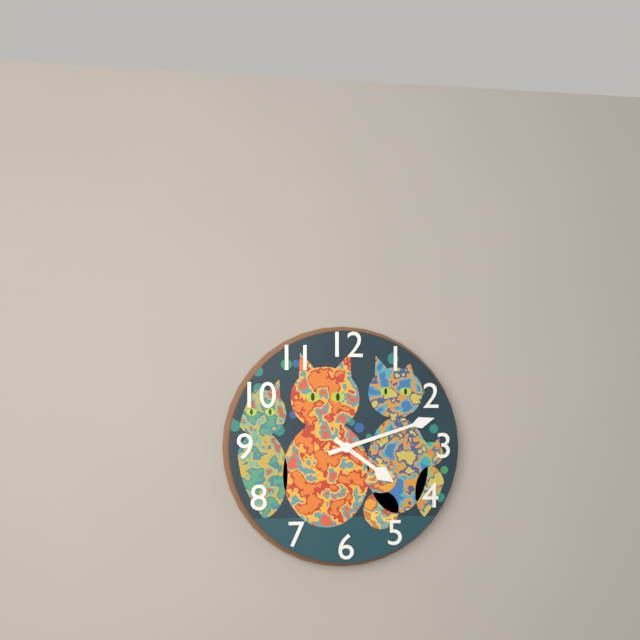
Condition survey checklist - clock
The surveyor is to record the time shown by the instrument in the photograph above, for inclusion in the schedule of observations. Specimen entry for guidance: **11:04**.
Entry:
**4:12**
